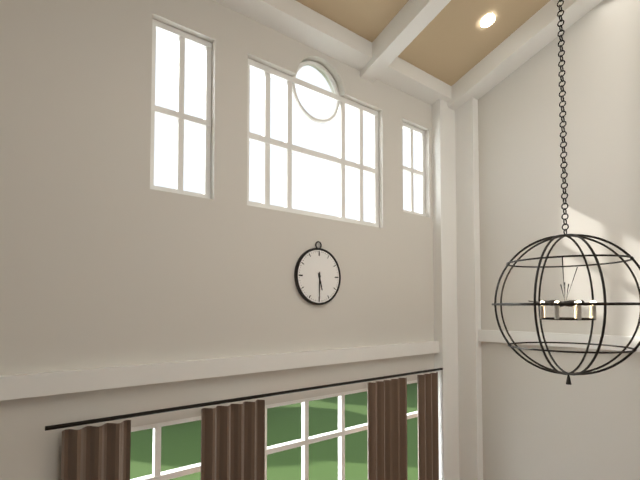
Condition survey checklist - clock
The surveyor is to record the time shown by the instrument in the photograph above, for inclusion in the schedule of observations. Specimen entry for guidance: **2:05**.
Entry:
**5:30**
